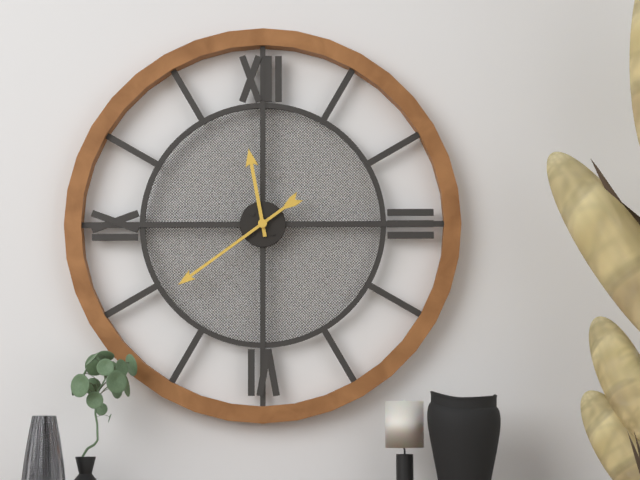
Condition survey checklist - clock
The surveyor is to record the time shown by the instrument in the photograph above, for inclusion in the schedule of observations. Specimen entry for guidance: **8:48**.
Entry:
**11:39**
